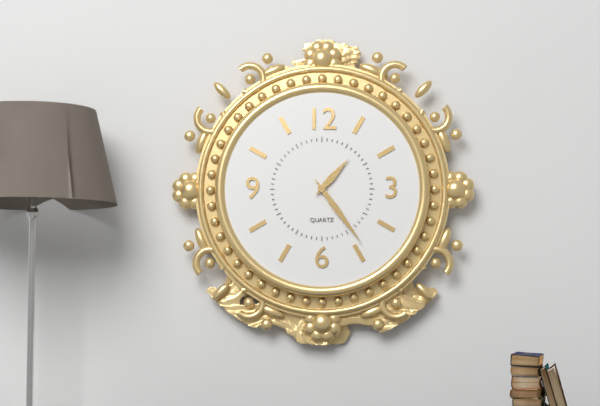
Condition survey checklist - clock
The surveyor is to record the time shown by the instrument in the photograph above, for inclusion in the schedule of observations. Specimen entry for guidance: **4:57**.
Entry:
**1:24**
